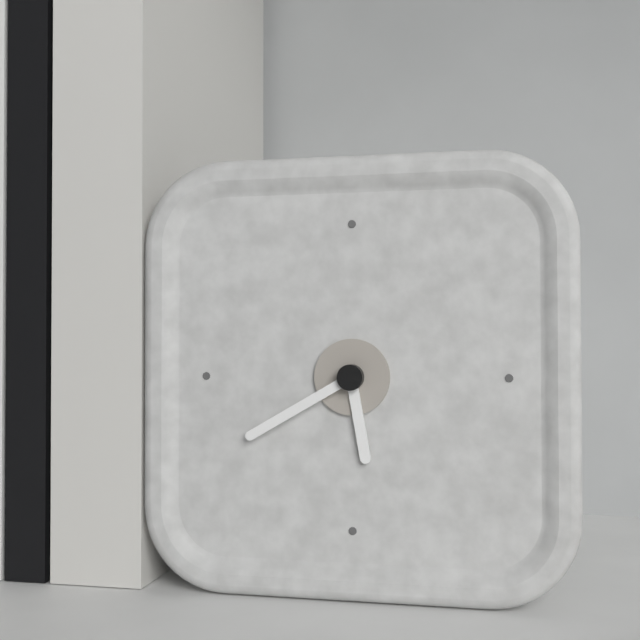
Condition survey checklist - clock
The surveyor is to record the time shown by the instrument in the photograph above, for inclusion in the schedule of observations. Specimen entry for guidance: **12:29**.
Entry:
**5:40**
